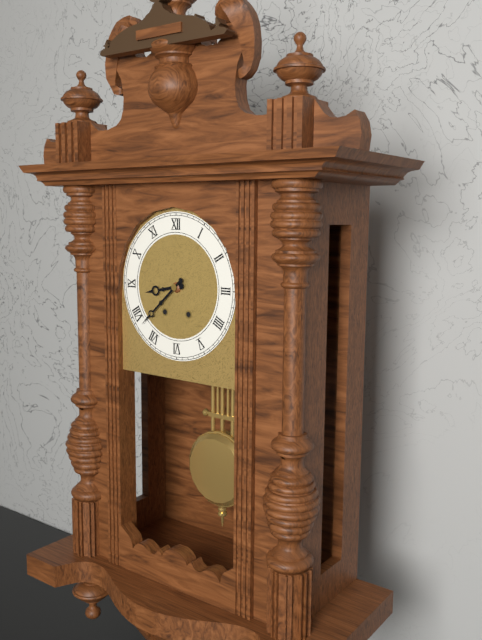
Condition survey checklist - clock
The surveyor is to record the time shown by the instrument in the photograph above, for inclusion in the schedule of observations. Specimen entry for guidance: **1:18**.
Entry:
**8:38**
